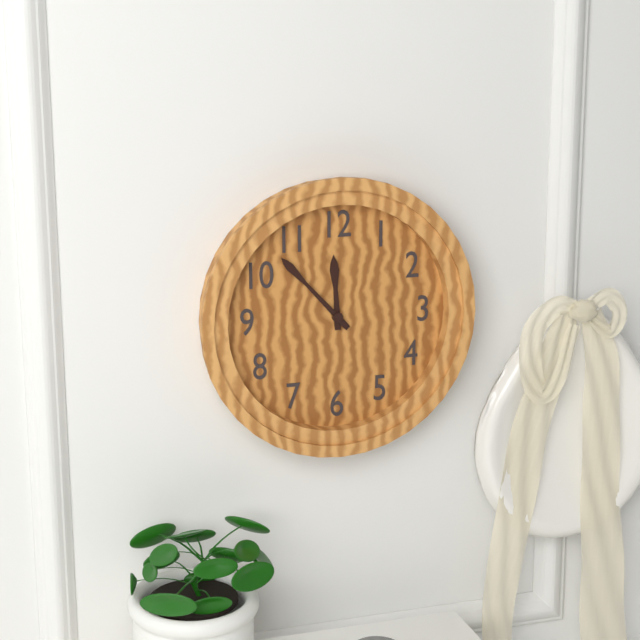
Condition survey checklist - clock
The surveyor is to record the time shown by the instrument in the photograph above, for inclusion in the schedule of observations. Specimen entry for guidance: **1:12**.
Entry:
**11:53**
